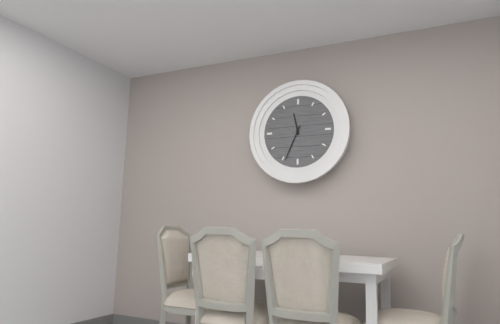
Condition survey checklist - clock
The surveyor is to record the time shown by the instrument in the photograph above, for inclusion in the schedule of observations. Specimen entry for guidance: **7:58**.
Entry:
**11:34**
